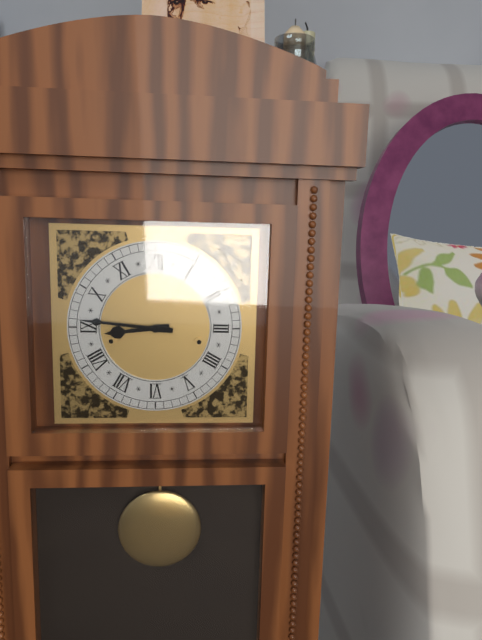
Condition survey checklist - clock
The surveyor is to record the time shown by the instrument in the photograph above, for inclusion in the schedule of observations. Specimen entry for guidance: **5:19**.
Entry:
**8:46**
